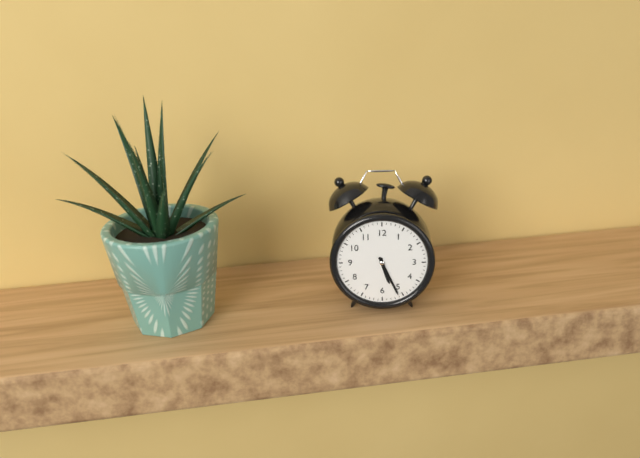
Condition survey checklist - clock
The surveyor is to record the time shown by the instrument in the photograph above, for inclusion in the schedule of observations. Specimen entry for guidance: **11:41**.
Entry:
**5:26**
